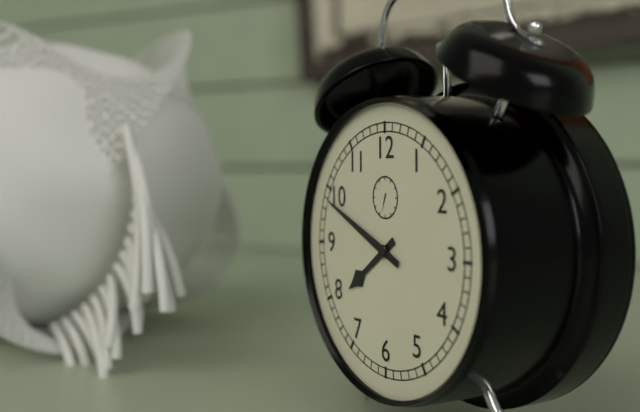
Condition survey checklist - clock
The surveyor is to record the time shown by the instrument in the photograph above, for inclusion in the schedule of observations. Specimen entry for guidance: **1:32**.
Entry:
**7:49**
